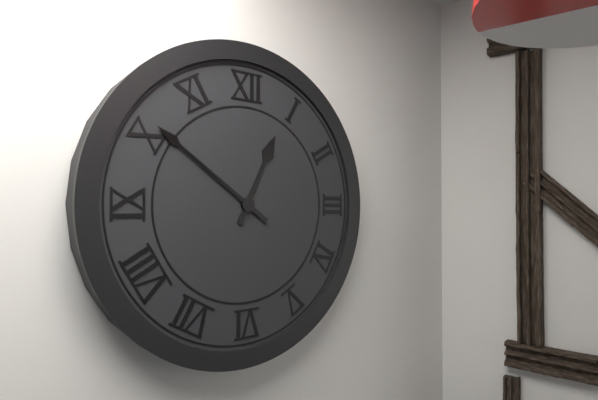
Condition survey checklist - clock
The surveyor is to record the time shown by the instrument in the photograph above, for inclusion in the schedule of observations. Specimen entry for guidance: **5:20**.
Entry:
**12:51**
